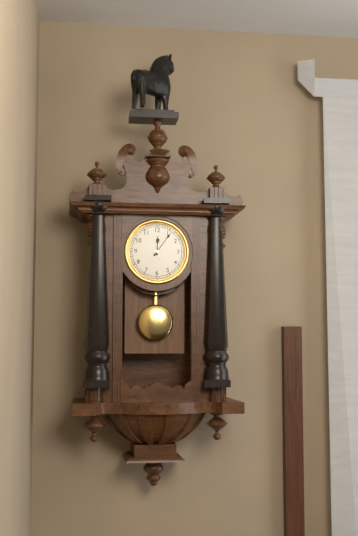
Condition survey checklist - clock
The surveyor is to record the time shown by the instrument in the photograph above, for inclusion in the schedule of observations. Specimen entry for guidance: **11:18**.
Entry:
**12:06**
